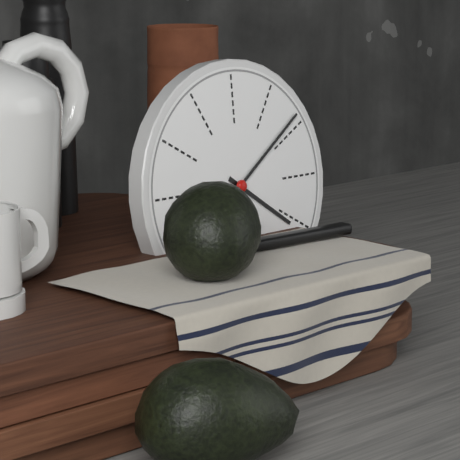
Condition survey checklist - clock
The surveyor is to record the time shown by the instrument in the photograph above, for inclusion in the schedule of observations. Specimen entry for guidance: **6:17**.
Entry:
**4:09**
